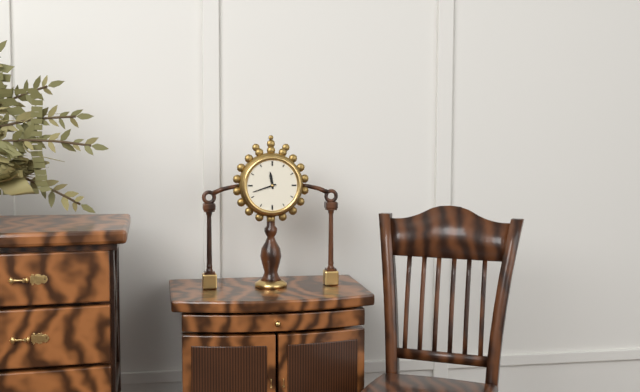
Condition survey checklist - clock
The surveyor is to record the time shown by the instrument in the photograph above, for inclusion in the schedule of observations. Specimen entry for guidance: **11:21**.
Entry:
**11:42**
